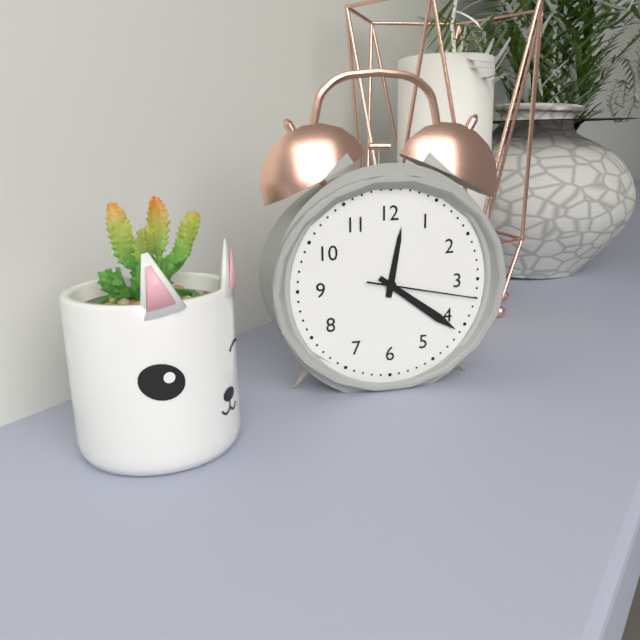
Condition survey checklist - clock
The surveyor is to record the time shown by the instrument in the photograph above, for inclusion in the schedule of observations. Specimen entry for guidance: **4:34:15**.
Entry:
**12:21:17**
